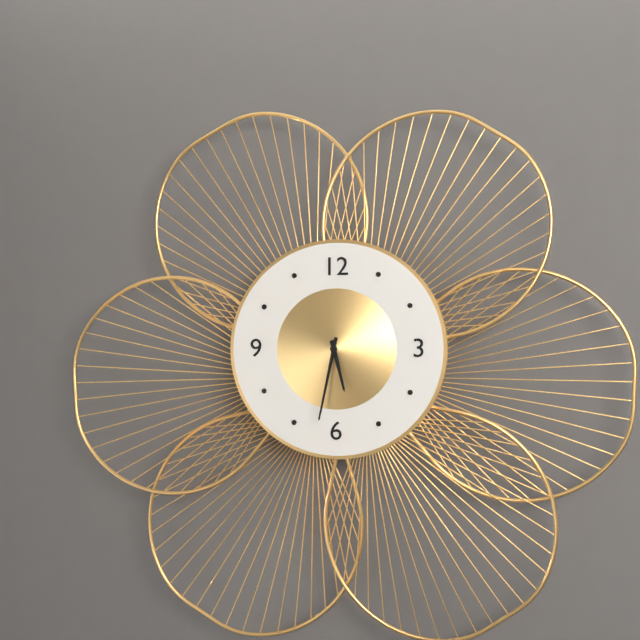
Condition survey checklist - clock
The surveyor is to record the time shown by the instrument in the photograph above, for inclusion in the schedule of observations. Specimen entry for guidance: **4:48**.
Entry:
**5:32**
